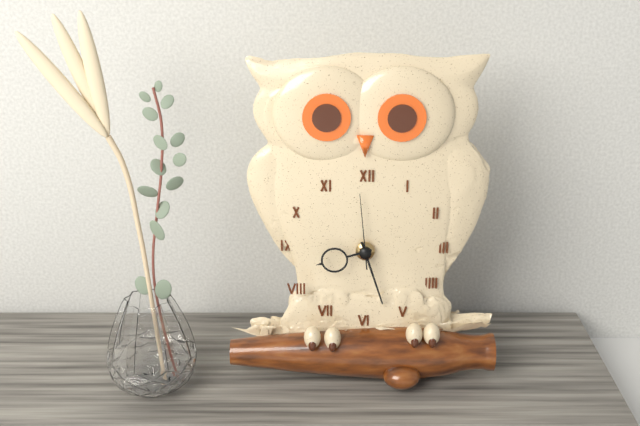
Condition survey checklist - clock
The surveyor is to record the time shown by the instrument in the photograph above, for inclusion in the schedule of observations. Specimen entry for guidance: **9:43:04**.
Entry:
**8:27:59**
